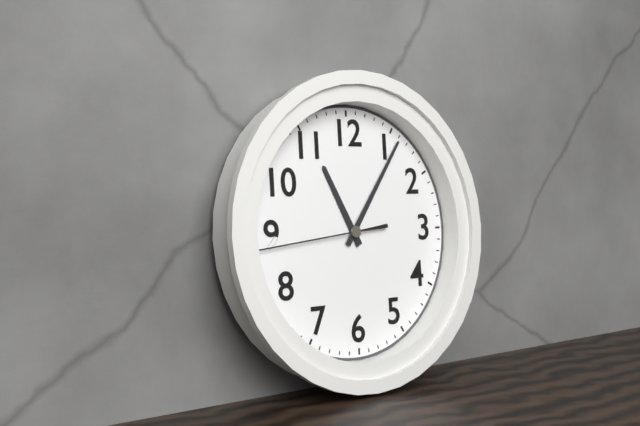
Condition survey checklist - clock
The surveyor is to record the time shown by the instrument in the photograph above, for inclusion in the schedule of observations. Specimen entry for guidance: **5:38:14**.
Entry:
**11:06:44**
